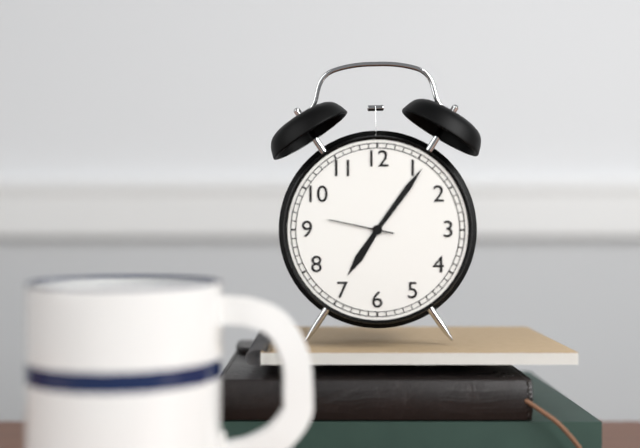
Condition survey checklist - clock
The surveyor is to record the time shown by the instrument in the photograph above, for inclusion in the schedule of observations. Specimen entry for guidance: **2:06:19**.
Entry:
**7:06:47**
